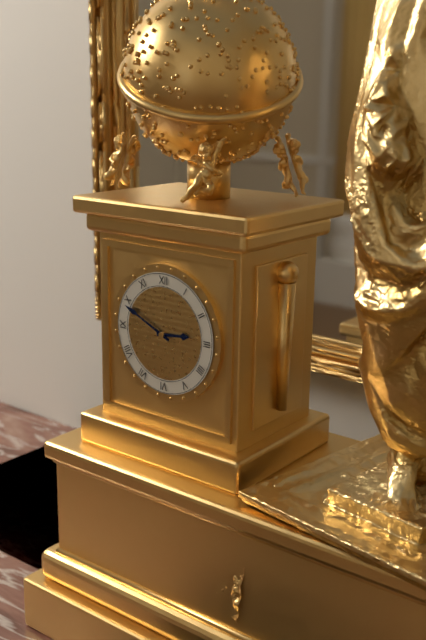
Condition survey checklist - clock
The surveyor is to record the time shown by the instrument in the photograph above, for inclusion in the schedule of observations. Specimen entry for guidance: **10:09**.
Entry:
**2:49**
